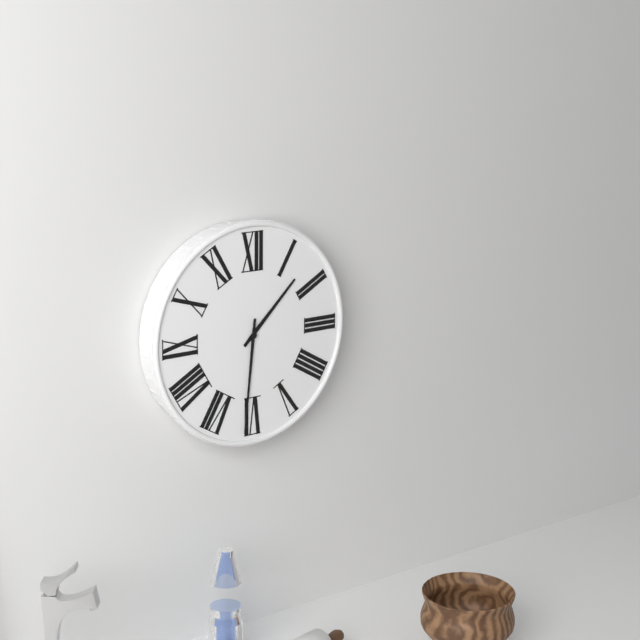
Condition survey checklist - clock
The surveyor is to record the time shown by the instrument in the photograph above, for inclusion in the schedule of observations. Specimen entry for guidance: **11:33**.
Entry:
**1:31**
